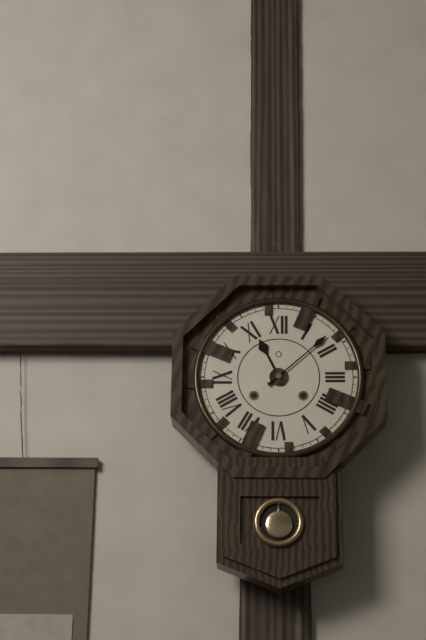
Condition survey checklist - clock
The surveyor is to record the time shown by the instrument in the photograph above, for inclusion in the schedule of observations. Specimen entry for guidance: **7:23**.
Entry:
**11:08**
